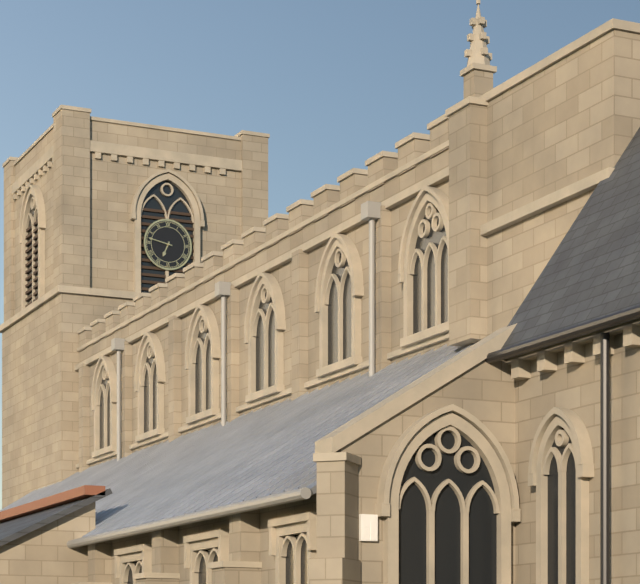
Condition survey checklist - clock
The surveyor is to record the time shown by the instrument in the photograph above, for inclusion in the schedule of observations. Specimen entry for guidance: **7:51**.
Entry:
**6:47**
